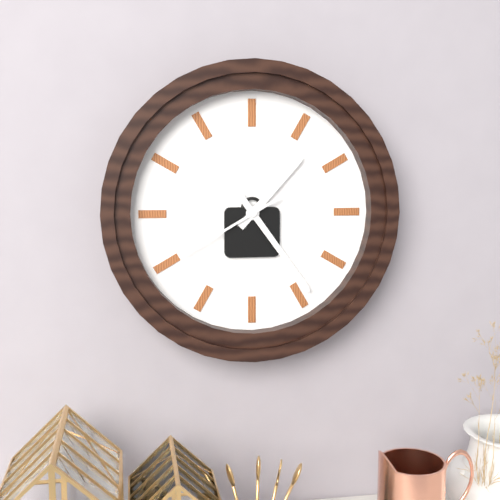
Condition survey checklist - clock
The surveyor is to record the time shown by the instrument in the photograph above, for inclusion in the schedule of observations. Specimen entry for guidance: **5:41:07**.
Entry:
**1:24:40**
